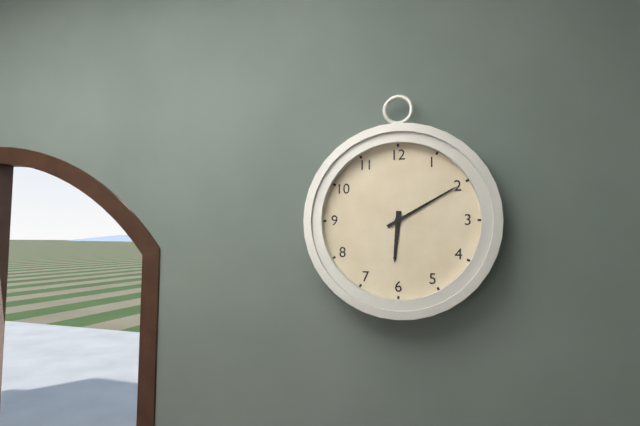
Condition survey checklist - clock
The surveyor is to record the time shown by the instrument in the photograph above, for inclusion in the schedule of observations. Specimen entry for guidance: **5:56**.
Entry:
**6:10**
